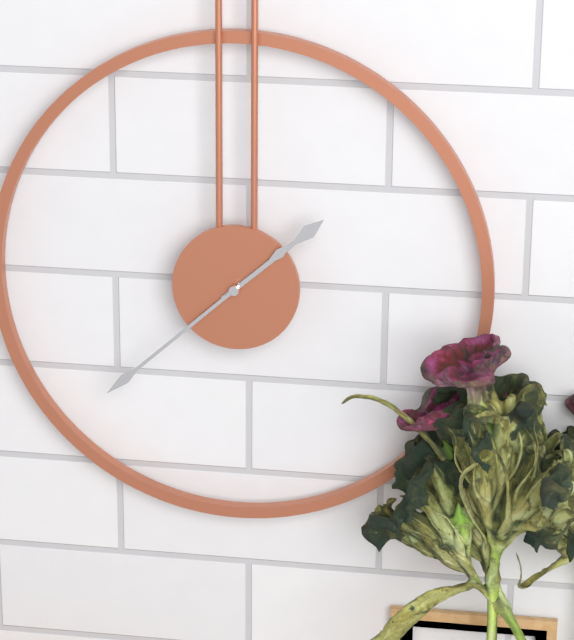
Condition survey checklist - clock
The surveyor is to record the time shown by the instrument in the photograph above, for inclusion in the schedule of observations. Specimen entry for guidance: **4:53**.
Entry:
**1:38**
